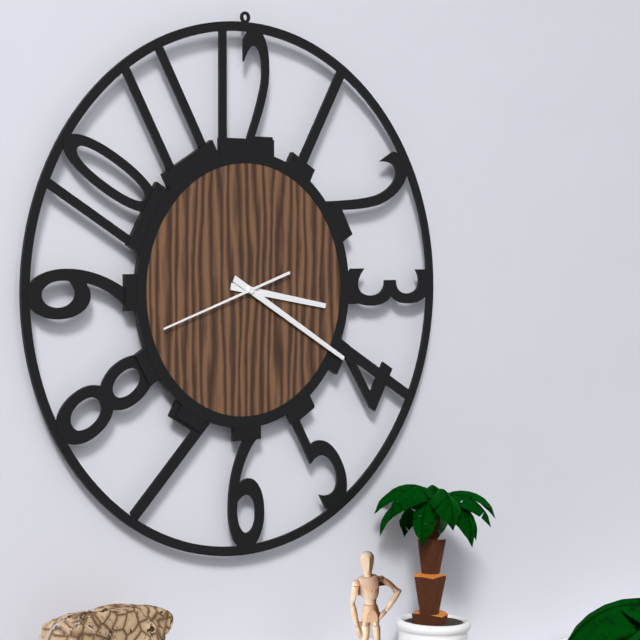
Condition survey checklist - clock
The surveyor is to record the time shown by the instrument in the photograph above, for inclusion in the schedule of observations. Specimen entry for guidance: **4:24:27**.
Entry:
**3:20:42**
